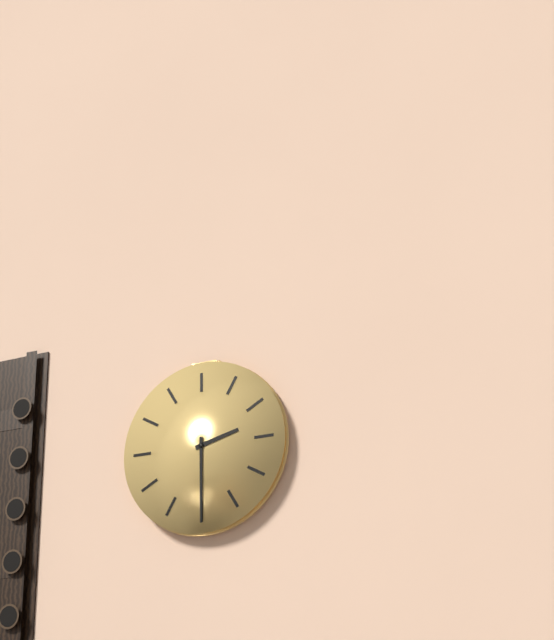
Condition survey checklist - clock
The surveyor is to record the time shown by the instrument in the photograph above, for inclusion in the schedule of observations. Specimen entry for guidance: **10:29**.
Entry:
**2:30**
